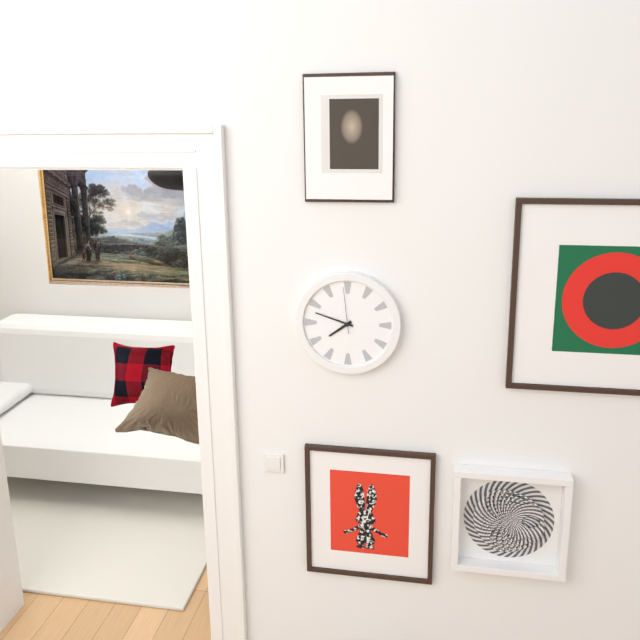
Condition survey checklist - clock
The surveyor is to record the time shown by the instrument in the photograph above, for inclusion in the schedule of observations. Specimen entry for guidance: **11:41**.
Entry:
**7:48**
